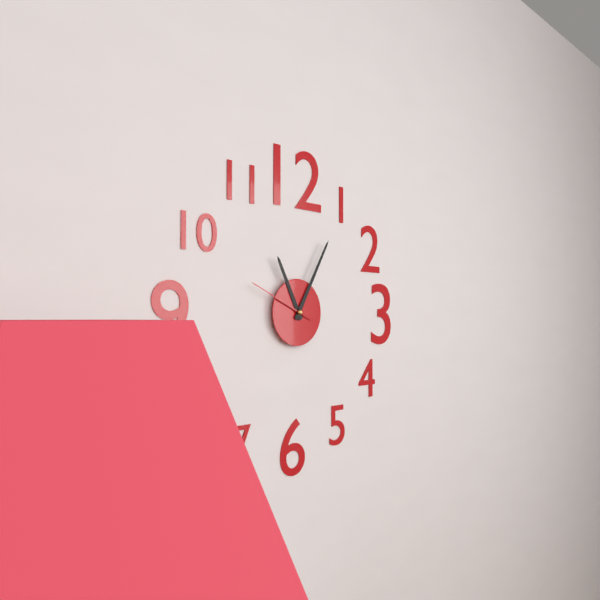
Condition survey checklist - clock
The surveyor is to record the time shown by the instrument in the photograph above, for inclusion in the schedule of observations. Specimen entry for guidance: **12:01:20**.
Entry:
**11:05:49**
